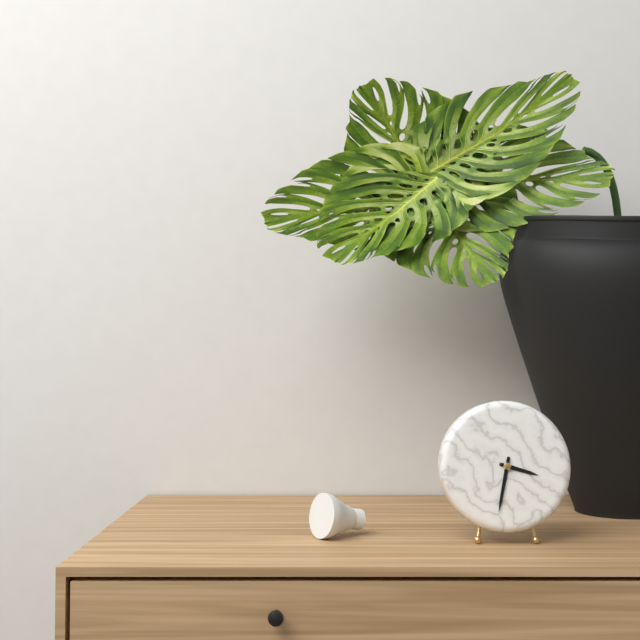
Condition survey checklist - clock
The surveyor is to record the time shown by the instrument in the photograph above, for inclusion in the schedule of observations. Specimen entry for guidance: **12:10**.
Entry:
**3:32**
